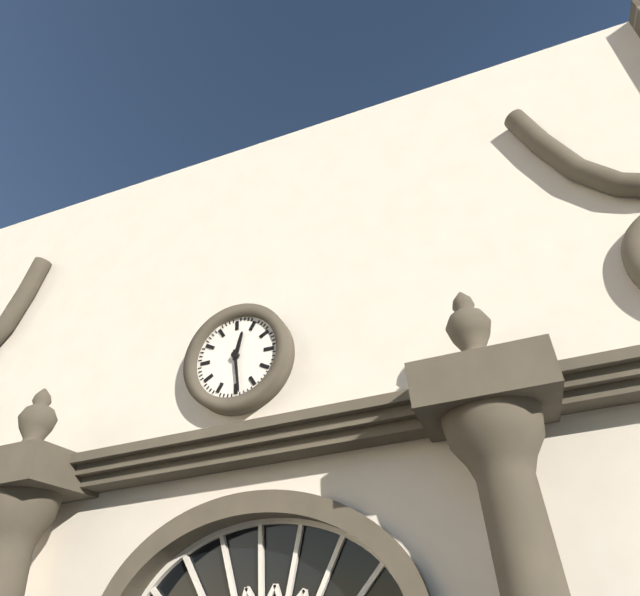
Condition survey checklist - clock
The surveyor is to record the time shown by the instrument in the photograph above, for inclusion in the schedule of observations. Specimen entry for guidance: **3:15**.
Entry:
**12:29**
